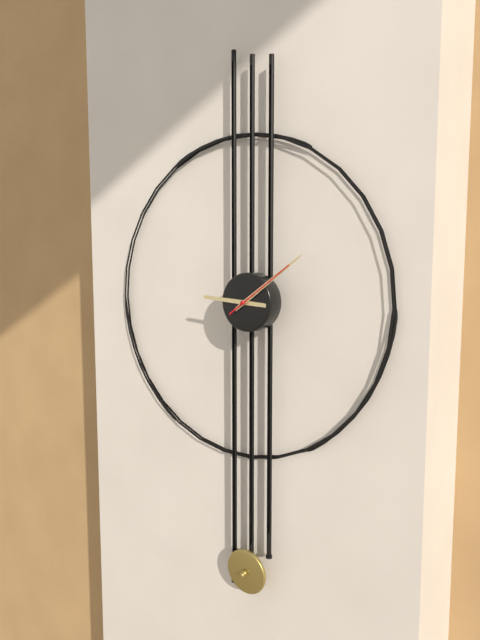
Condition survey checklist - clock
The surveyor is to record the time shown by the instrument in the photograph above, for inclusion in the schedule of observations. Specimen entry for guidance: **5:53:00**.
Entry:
**9:09:09**
